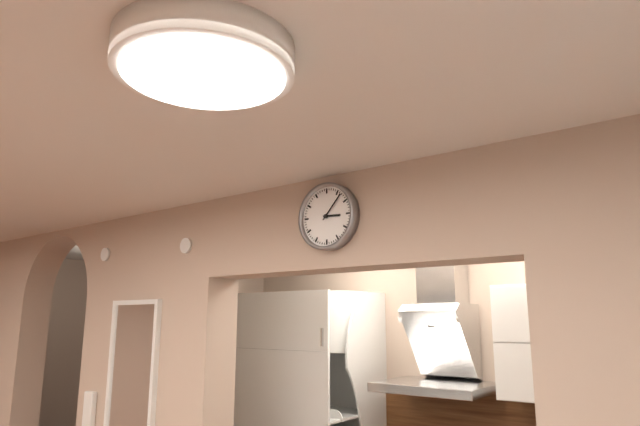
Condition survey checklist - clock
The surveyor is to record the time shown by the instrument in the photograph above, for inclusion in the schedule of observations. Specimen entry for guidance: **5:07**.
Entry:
**3:07**
